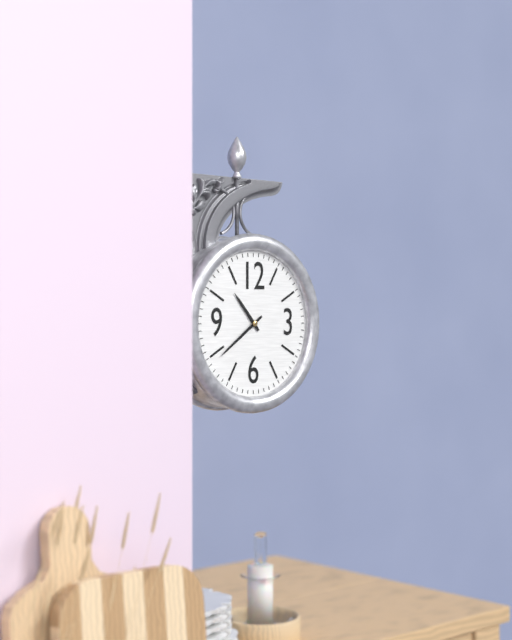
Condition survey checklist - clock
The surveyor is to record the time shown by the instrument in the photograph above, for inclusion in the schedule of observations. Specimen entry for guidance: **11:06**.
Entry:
**10:39**
